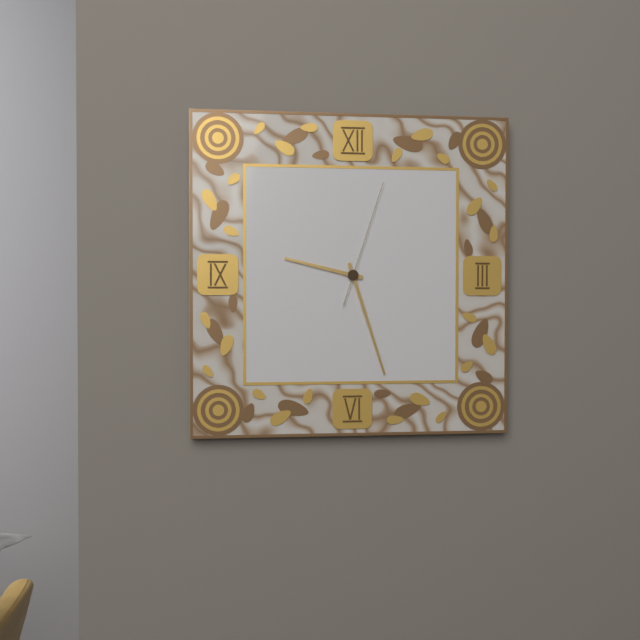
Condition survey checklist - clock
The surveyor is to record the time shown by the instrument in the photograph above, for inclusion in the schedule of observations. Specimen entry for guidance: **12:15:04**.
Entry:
**9:27:03**
